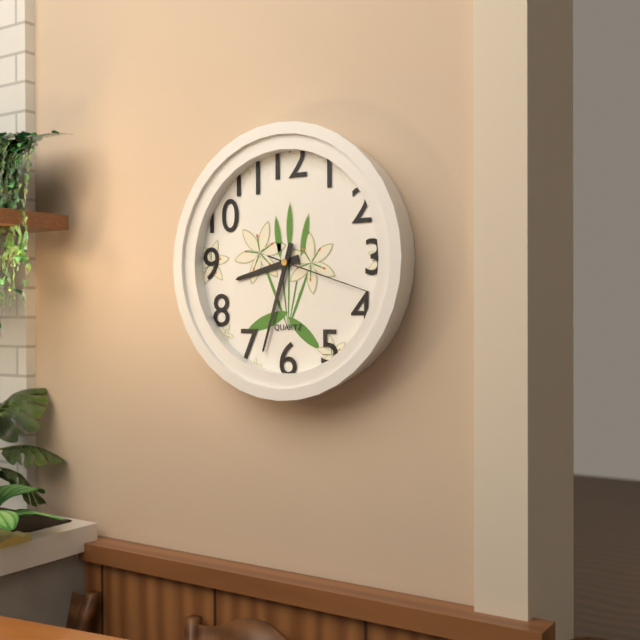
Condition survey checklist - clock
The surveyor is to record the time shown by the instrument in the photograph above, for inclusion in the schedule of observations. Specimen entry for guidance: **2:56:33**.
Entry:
**8:33:18**
